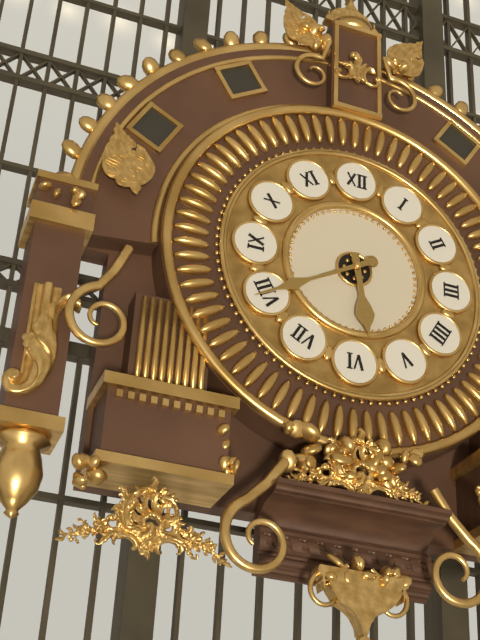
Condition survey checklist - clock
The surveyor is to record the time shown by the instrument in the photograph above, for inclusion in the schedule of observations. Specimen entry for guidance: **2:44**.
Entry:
**5:40**
